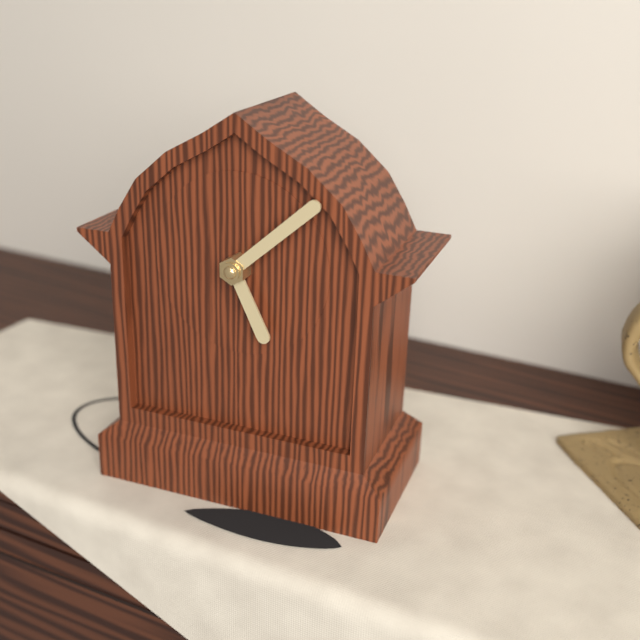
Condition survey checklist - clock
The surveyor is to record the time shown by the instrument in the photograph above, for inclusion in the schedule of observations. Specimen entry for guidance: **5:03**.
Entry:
**5:08**
